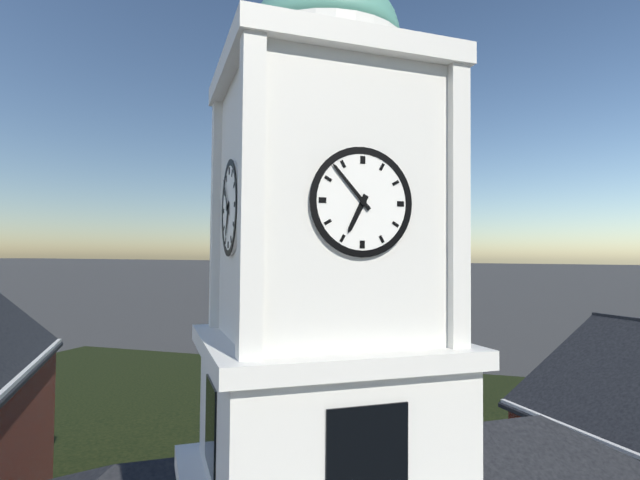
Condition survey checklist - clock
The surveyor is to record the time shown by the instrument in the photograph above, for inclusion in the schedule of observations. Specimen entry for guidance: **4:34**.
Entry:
**6:53**
